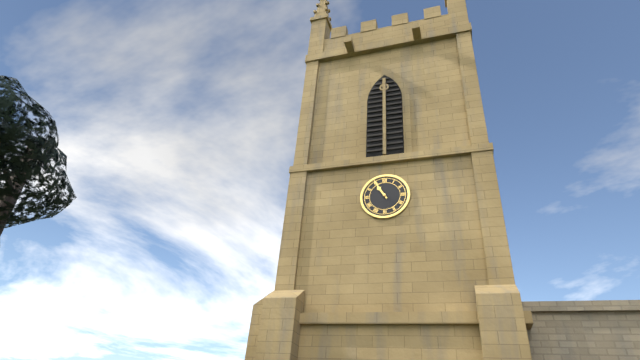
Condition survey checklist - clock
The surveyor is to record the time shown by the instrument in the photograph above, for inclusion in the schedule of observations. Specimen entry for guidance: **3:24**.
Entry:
**10:55**
